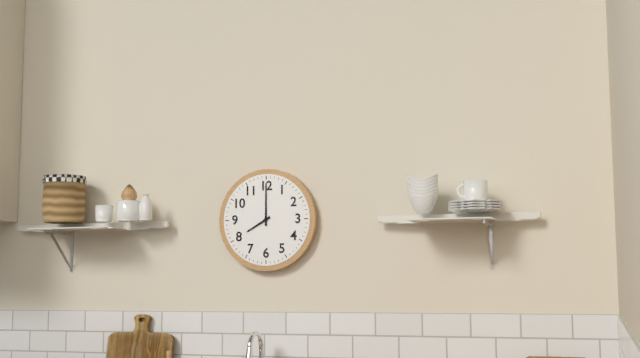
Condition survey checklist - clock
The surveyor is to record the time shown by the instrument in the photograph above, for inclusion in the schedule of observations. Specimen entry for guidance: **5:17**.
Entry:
**8:00**
